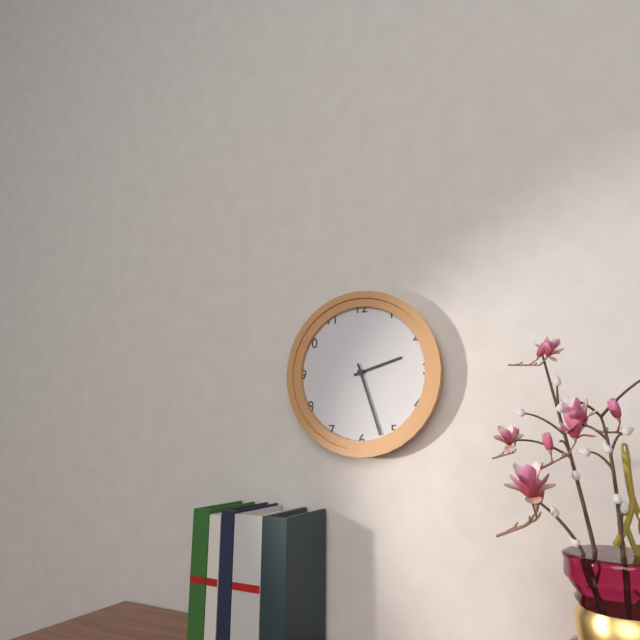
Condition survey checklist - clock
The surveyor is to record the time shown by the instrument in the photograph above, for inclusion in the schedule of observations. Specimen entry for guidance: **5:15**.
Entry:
**2:27**
